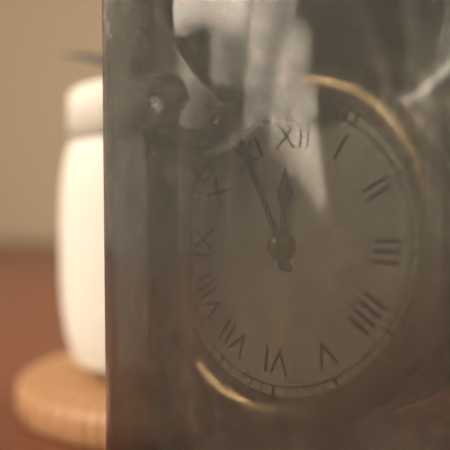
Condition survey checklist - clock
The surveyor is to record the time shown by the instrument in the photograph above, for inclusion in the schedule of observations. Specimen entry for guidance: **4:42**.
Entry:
**11:55**
